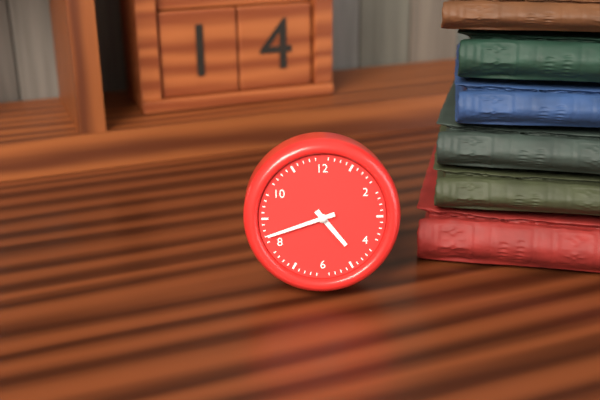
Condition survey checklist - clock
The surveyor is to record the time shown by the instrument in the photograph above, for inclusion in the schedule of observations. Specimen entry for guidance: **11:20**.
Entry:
**4:42**
